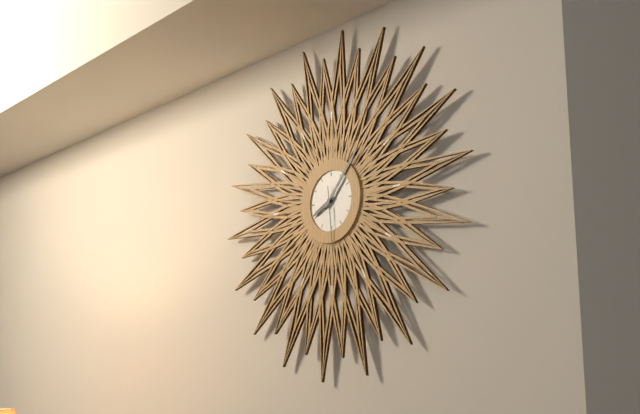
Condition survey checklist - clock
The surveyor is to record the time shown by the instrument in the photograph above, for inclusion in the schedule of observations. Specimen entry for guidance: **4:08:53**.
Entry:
**8:07:29**
